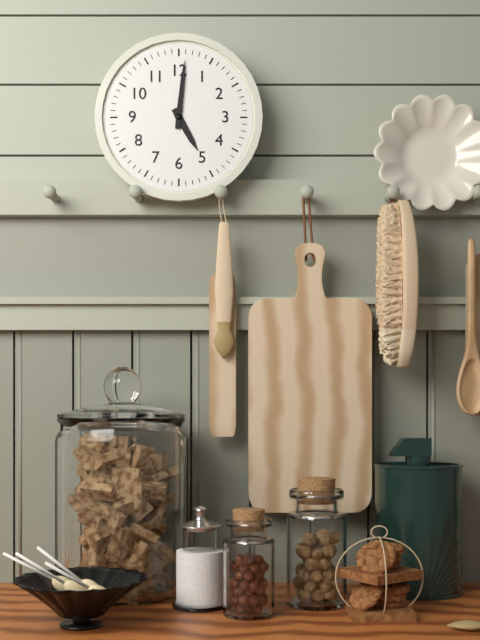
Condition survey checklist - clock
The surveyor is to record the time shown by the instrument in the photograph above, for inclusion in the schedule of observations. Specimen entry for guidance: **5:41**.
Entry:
**5:01**
